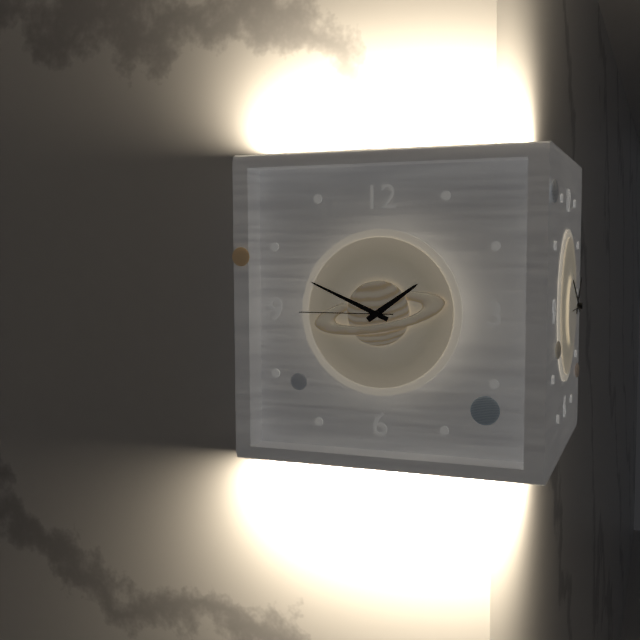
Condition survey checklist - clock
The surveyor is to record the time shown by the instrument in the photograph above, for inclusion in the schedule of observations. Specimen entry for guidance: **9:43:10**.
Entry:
**1:49:45**
